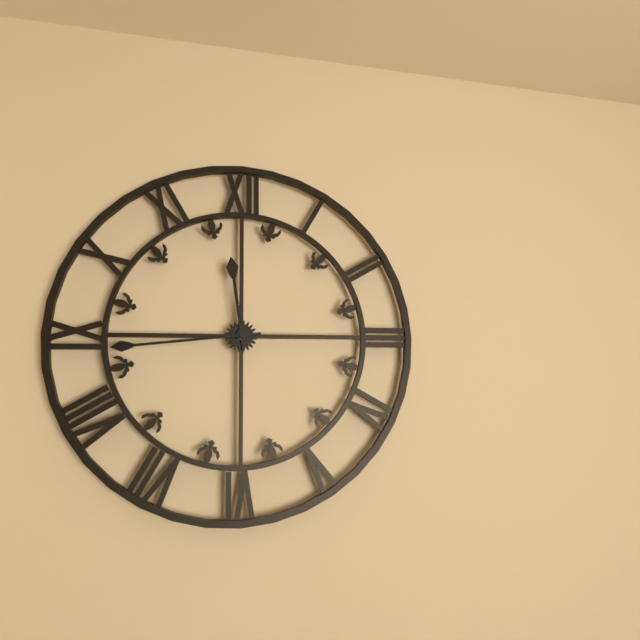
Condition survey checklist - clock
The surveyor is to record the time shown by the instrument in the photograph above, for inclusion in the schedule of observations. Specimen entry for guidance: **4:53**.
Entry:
**11:44**
